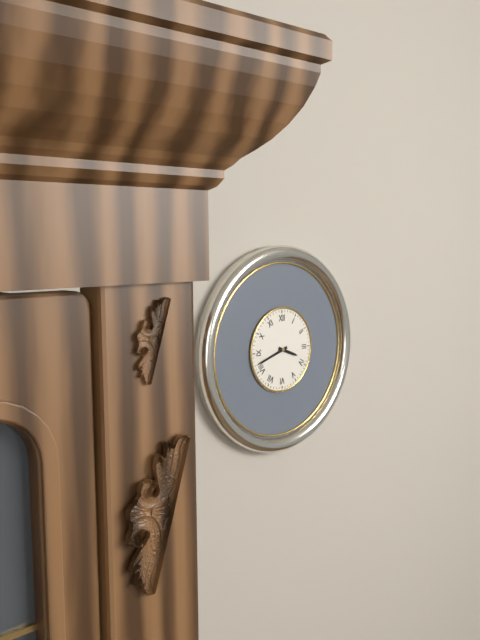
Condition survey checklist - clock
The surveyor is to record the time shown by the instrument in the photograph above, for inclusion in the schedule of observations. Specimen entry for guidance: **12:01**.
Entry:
**3:42**
